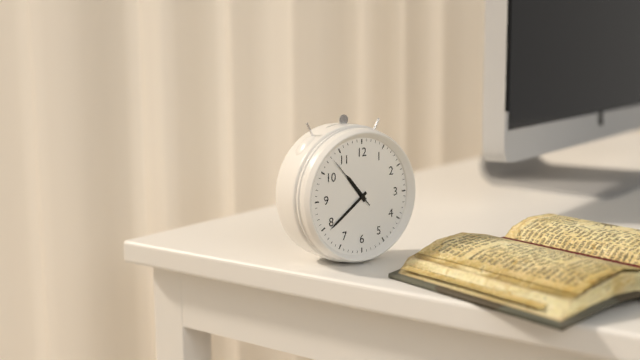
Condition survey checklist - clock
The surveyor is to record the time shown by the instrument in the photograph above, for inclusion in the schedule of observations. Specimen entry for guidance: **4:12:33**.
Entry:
**10:39:53**
